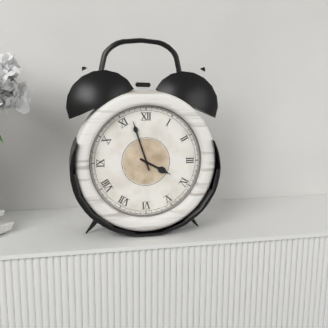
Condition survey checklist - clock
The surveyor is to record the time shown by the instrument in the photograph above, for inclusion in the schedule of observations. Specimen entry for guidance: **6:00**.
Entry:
**3:57**
